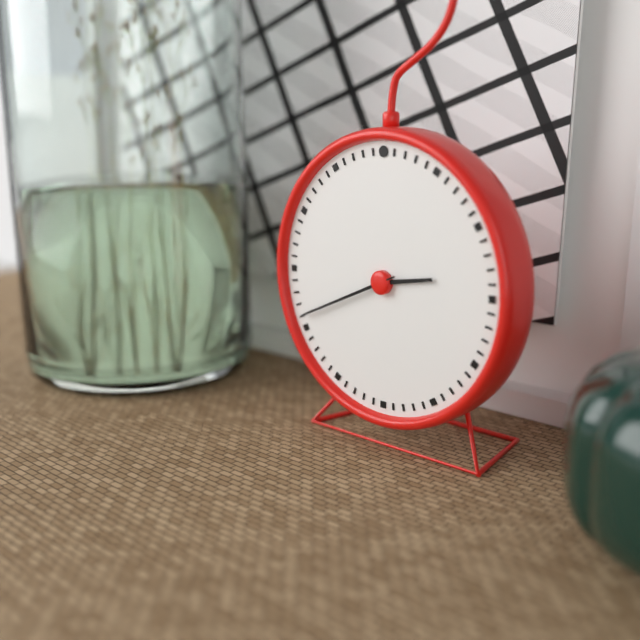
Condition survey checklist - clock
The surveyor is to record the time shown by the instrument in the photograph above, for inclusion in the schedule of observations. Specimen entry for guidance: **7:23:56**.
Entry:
**2:41:41**
